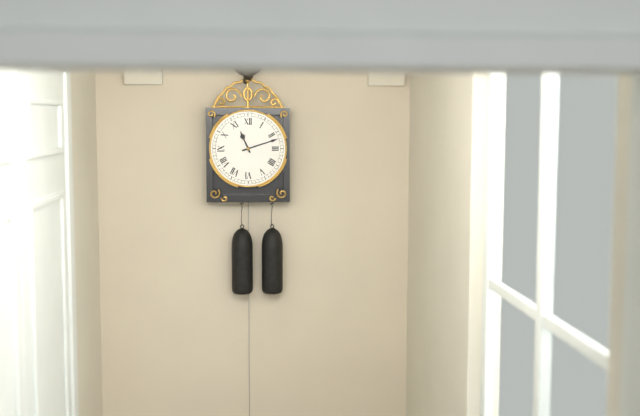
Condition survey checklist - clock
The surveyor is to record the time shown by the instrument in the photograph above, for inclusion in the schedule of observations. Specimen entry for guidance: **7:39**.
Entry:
**11:12**
